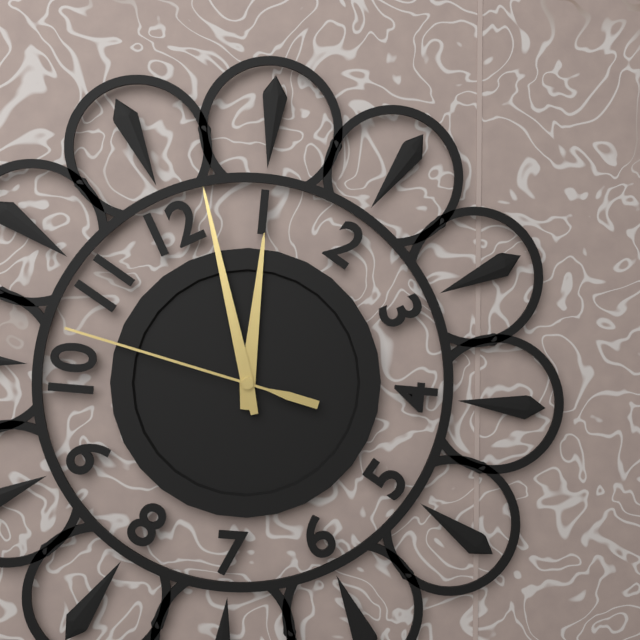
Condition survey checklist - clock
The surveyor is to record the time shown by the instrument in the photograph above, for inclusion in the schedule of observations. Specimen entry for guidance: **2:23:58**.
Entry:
**1:02:52**
